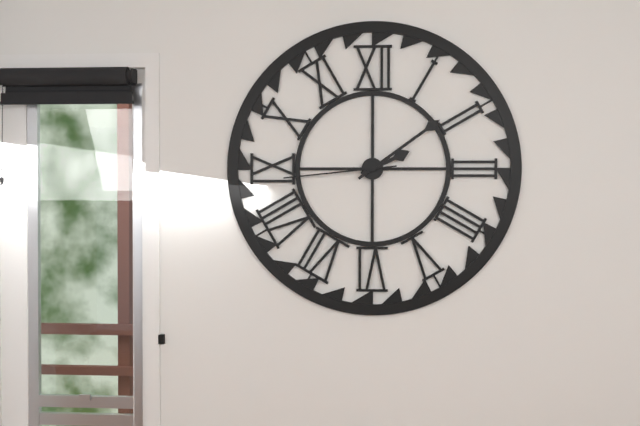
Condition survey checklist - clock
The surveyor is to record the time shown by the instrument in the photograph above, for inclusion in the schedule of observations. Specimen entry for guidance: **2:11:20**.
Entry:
**2:09:44**
